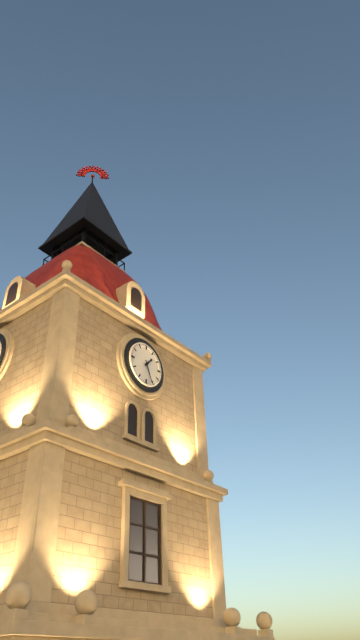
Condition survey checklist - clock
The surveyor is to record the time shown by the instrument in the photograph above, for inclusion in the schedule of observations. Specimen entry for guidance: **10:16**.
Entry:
**1:26**
